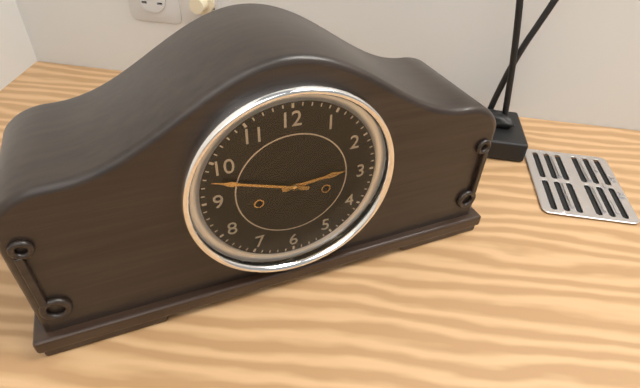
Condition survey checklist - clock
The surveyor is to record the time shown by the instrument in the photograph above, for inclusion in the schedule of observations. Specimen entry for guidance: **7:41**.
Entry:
**2:48**
